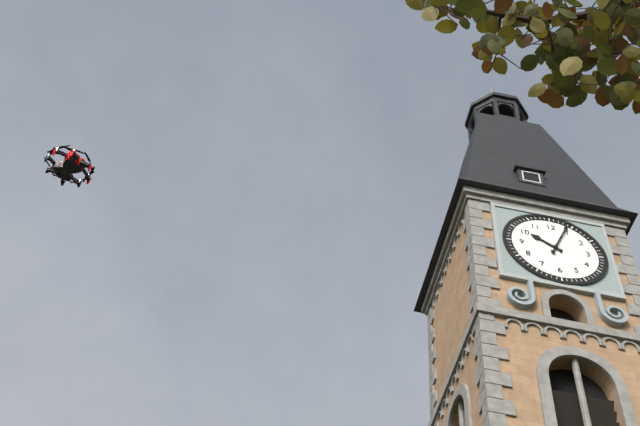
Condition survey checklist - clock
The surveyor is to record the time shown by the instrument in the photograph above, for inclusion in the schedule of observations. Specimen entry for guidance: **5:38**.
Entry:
**10:04**
